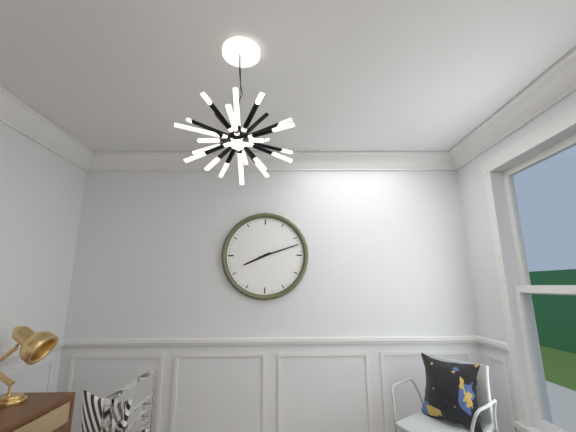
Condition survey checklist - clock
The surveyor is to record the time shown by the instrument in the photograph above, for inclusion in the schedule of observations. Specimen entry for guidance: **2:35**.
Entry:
**8:12**
